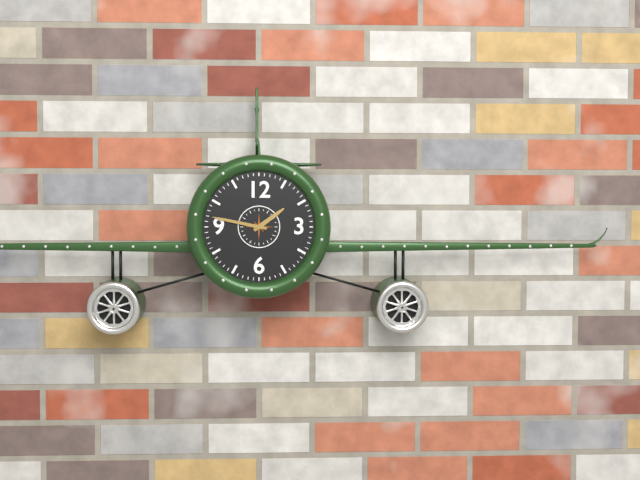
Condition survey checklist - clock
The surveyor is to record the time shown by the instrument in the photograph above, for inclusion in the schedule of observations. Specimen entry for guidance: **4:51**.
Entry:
**1:47**
